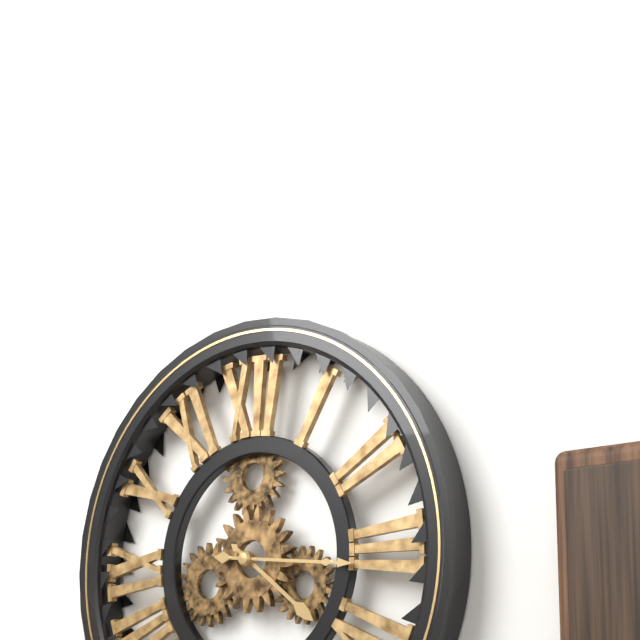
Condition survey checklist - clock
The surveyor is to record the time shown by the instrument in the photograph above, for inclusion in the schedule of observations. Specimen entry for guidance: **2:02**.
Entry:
**4:16**
